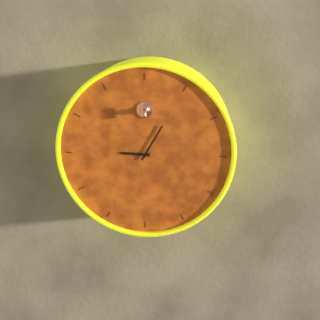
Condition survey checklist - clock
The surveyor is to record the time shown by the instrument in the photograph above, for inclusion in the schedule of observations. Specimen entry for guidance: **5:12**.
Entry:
**9:05**
